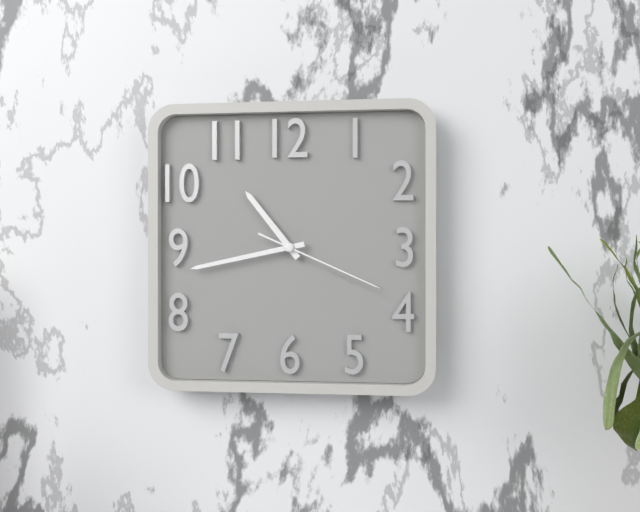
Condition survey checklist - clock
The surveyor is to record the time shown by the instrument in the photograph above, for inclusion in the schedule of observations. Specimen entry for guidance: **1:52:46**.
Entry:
**10:43:19**
